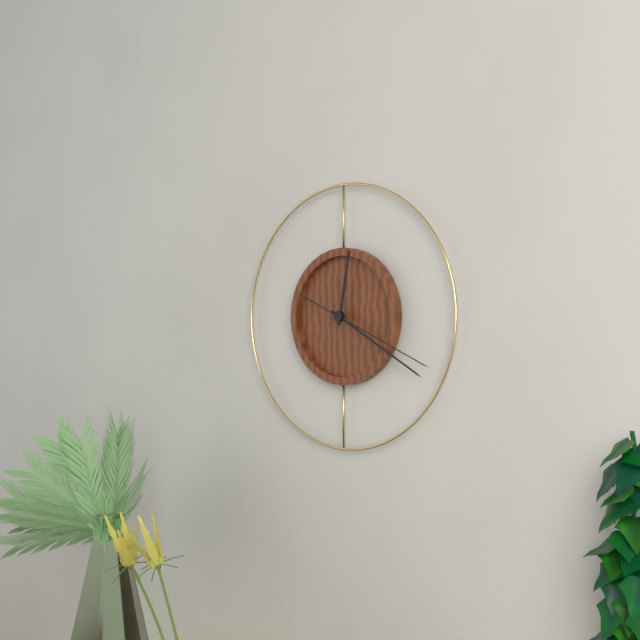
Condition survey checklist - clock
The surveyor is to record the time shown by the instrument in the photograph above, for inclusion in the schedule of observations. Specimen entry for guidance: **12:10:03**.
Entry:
**12:20:19**
